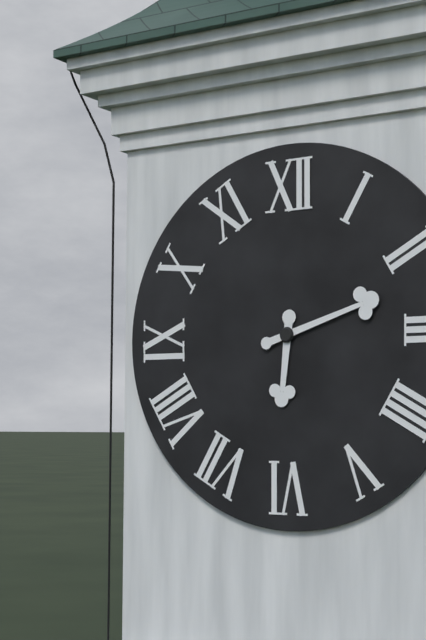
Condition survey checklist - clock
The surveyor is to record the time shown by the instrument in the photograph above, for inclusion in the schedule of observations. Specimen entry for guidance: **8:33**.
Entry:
**6:12**
